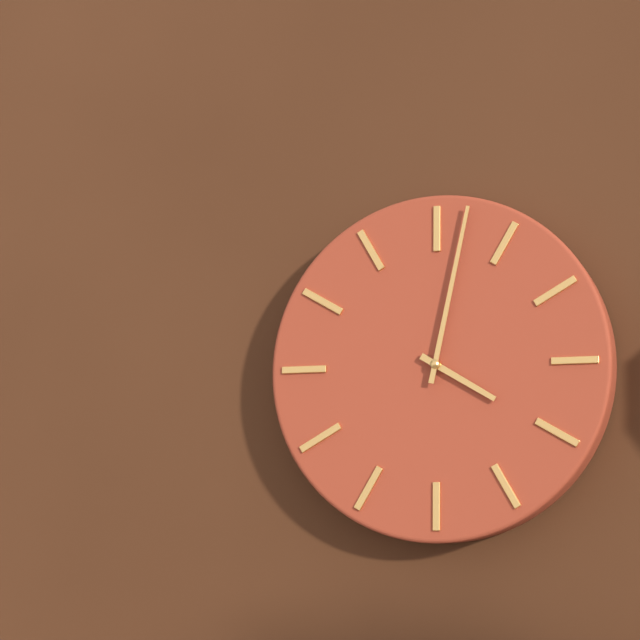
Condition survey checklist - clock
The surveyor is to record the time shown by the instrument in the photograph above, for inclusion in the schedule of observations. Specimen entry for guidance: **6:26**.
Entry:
**4:02**
